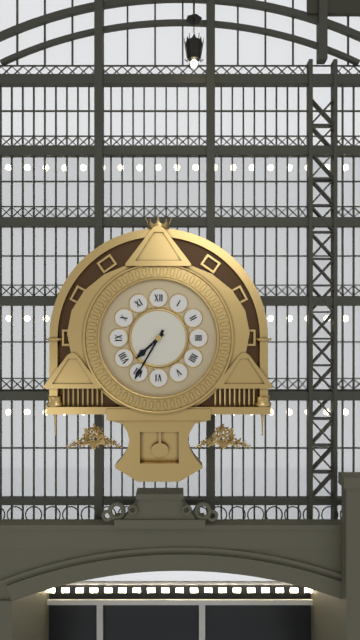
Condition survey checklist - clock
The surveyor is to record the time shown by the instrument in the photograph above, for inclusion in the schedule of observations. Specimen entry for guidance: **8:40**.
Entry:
**7:35**
